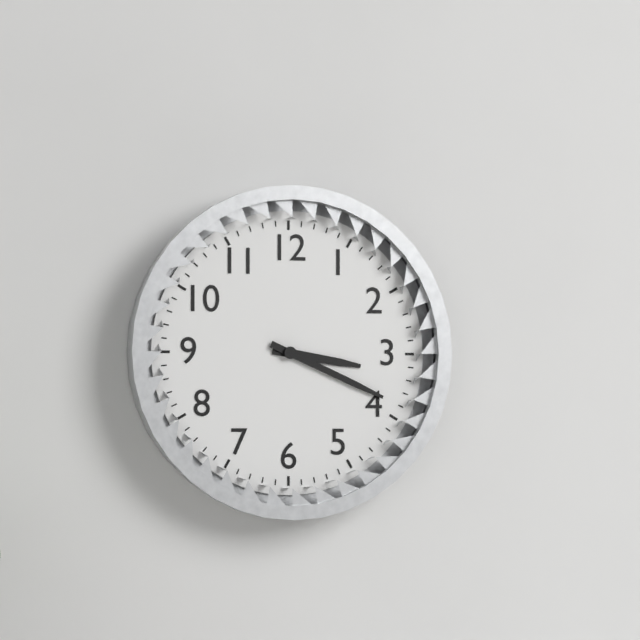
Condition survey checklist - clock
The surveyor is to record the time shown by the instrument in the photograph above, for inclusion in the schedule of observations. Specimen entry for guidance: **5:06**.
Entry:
**3:19**
